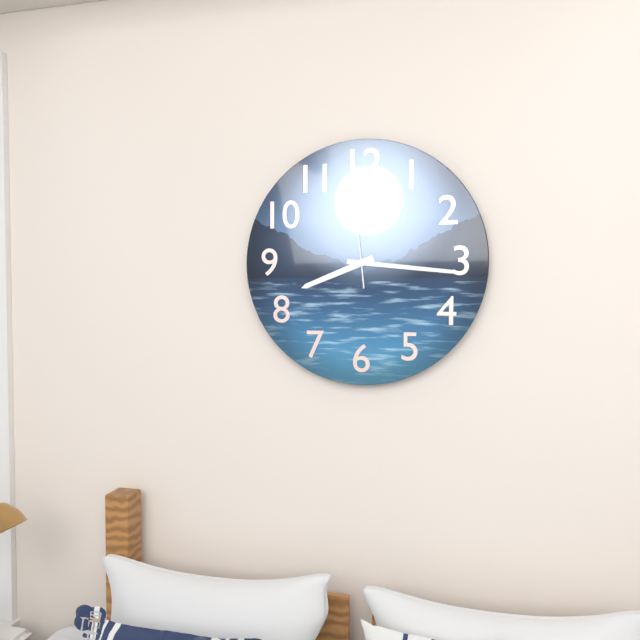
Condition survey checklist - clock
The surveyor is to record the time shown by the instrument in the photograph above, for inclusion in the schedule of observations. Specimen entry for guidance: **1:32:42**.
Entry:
**8:16:59**
